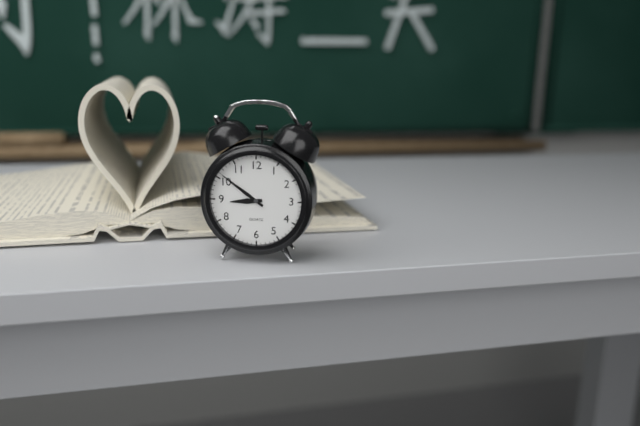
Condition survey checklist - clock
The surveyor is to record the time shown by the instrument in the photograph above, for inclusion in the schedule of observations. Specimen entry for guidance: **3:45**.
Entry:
**8:51**
